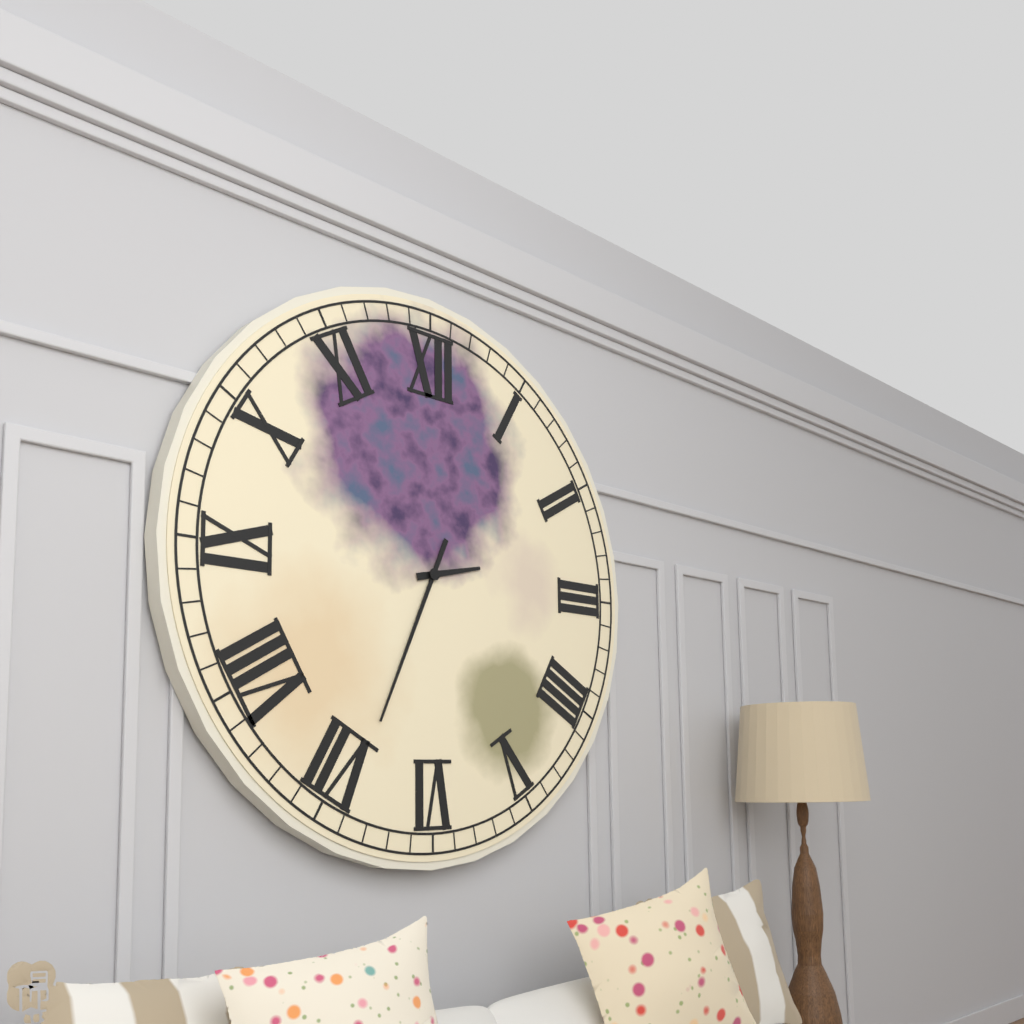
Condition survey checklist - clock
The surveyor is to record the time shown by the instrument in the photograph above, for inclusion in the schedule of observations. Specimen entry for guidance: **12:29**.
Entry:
**2:34**
